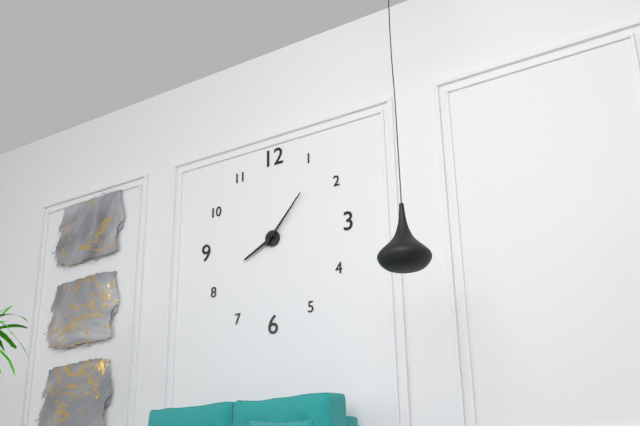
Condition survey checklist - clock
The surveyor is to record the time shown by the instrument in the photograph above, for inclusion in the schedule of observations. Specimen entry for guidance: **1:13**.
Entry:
**8:07**
